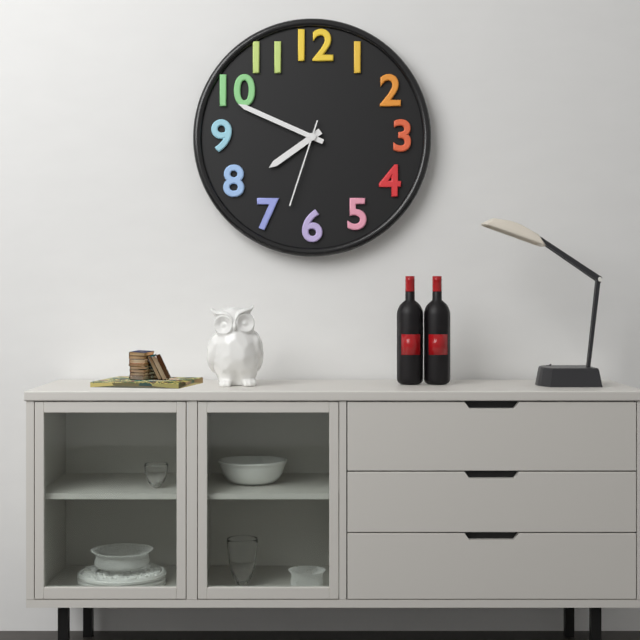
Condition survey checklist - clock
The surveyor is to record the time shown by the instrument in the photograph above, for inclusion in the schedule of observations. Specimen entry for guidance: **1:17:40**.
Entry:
**7:49:33**
